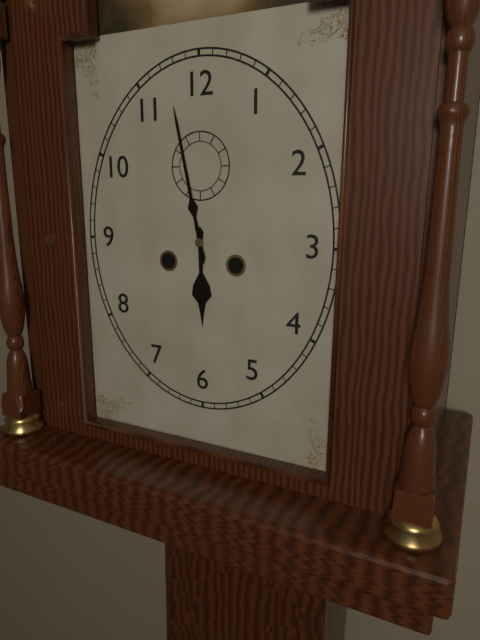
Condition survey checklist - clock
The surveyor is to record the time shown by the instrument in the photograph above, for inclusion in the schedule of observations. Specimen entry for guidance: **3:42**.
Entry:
**5:58**
